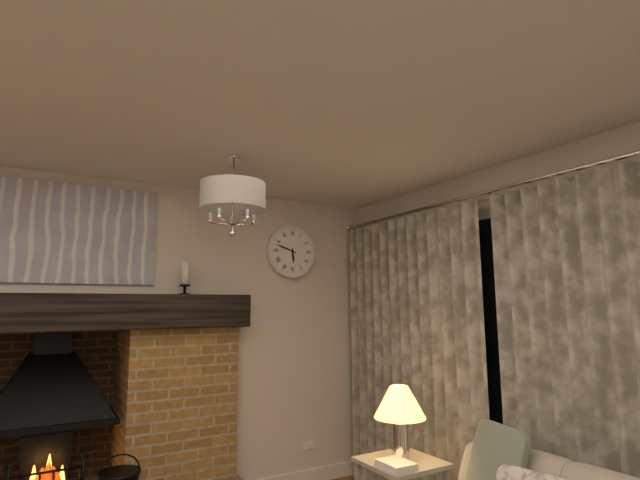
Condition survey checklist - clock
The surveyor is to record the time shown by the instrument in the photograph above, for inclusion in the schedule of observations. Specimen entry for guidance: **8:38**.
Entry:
**5:48**
